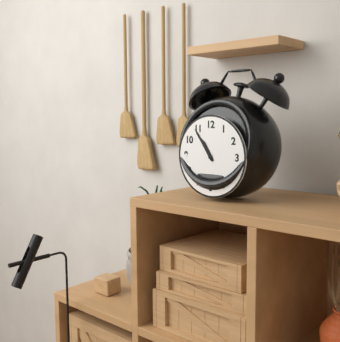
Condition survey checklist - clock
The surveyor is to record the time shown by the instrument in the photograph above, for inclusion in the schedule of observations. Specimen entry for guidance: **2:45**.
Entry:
**10:54**
